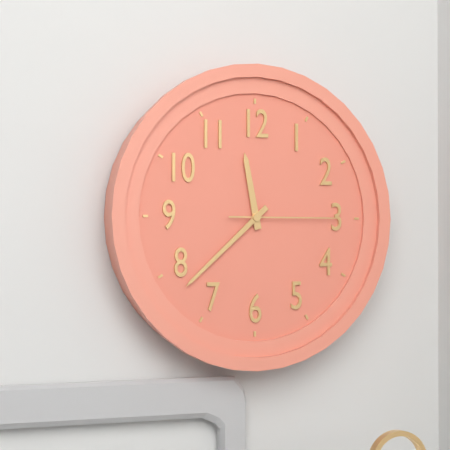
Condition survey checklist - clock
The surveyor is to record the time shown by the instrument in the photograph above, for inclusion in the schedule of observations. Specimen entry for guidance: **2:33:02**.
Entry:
**11:38:15**
